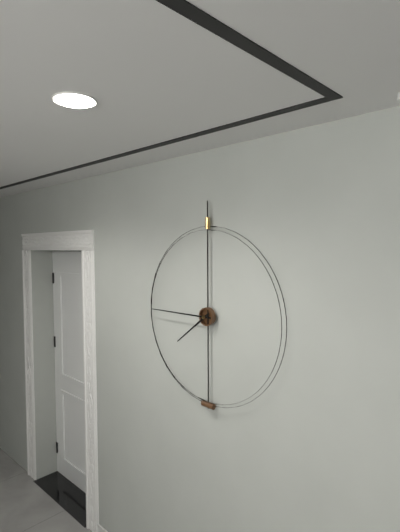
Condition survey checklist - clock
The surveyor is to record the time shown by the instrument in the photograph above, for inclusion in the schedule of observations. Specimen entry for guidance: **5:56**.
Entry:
**7:45**
